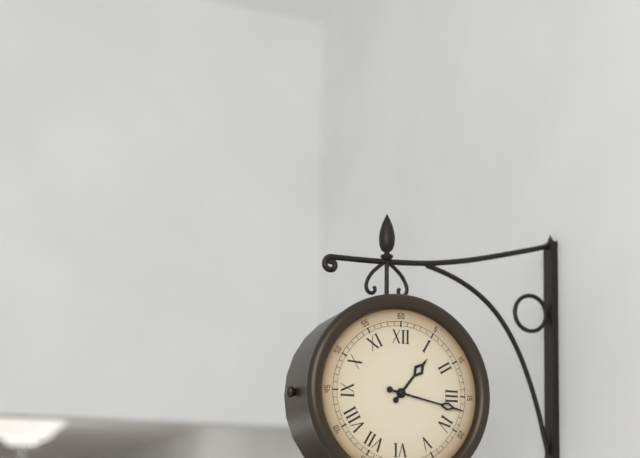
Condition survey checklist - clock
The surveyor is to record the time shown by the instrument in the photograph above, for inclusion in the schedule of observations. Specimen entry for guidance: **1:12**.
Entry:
**1:17**
